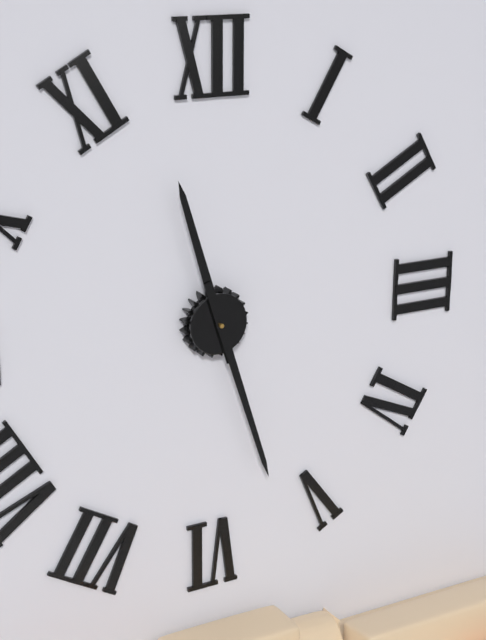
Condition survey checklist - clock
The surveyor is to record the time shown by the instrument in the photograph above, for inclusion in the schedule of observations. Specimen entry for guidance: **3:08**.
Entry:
**11:27**
